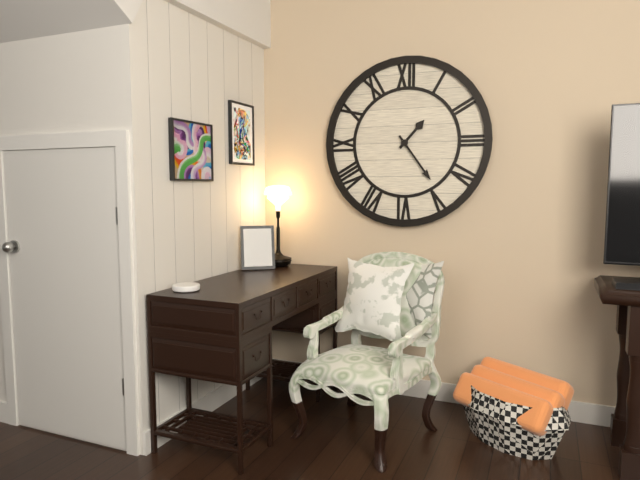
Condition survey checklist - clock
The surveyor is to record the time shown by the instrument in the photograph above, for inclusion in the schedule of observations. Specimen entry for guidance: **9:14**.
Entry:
**1:24**
